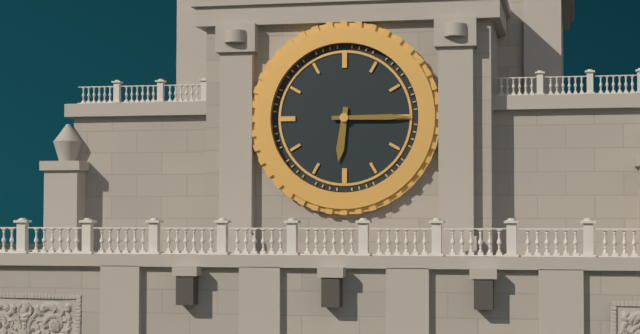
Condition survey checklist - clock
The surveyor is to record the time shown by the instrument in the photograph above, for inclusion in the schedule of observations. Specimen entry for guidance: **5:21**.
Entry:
**6:15**
